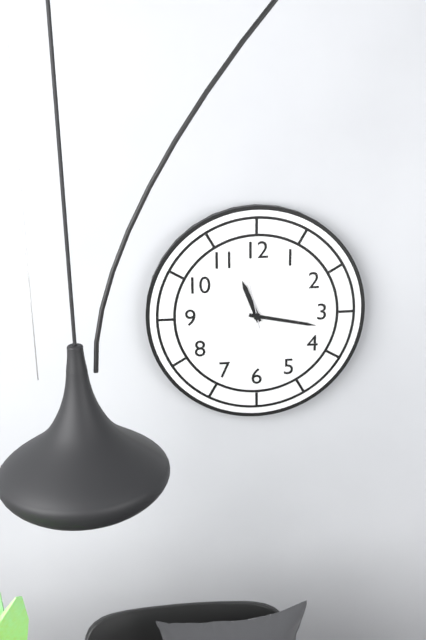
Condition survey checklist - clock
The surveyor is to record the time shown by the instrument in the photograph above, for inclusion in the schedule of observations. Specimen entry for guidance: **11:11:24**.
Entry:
**11:17:58**
